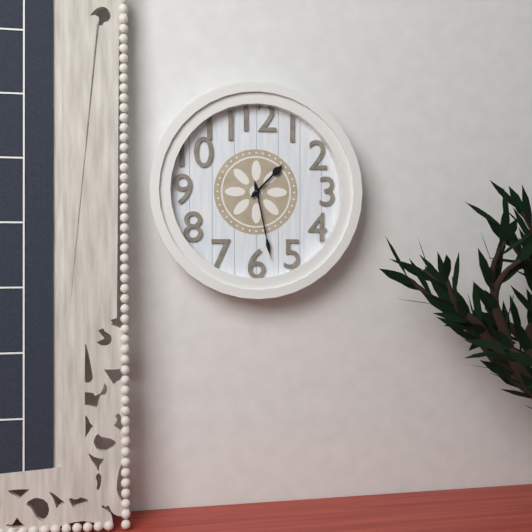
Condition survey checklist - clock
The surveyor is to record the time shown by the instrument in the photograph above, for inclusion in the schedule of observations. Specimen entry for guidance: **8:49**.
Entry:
**1:28**
